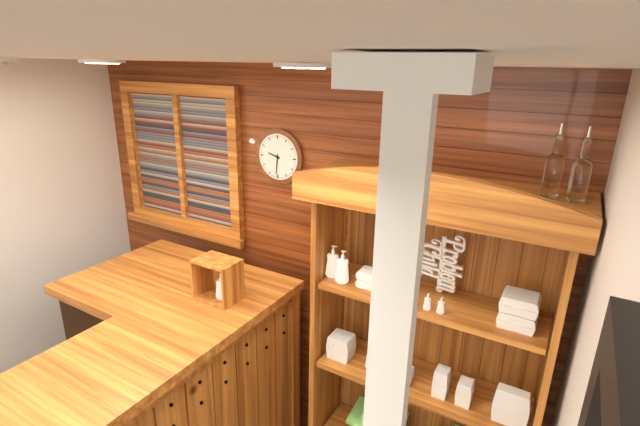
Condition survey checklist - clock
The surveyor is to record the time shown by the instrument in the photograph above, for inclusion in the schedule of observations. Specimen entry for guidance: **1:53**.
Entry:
**9:31**
